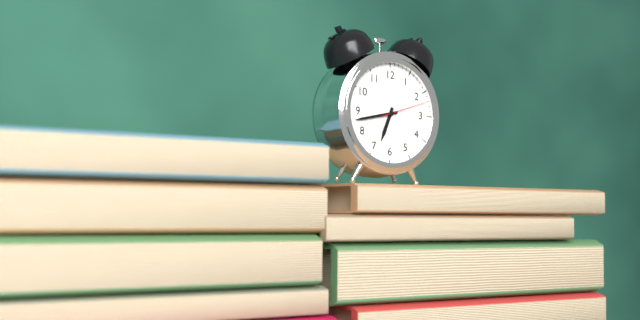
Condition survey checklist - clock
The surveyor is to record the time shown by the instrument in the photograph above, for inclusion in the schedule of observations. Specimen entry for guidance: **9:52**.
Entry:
**6:43**
